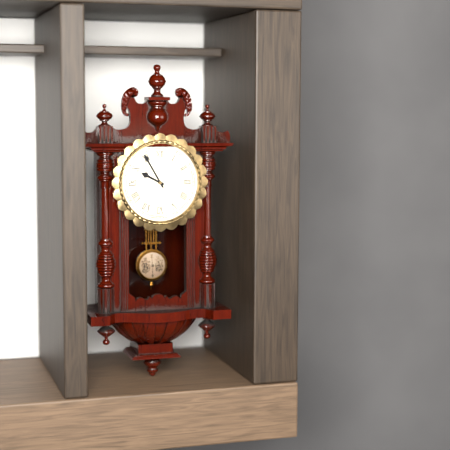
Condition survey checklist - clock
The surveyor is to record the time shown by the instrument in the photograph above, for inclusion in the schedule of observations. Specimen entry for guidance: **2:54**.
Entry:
**9:55**
